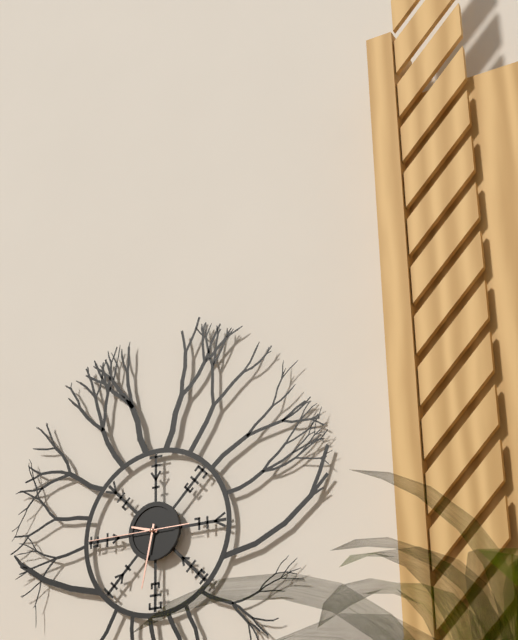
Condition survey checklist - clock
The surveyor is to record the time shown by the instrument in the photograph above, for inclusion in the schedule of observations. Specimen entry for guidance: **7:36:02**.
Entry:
**9:32:45**
